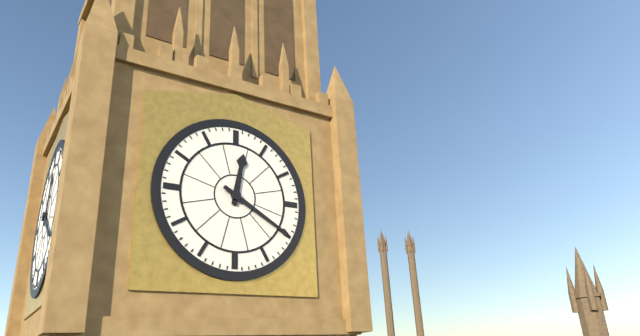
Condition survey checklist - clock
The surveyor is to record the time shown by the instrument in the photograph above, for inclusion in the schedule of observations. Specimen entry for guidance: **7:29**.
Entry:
**12:20**
